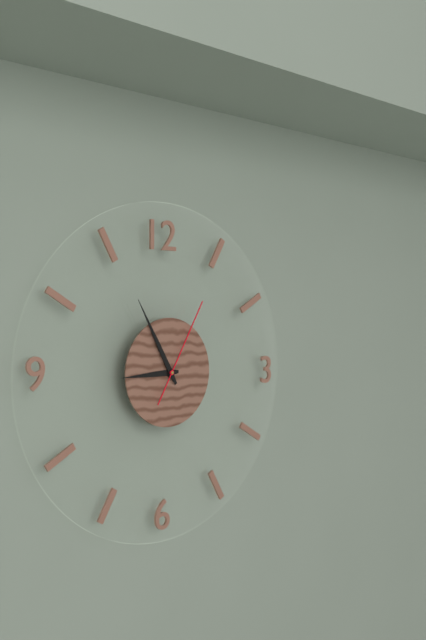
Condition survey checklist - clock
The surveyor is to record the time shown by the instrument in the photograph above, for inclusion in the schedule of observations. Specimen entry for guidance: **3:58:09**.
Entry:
**8:55:05**
